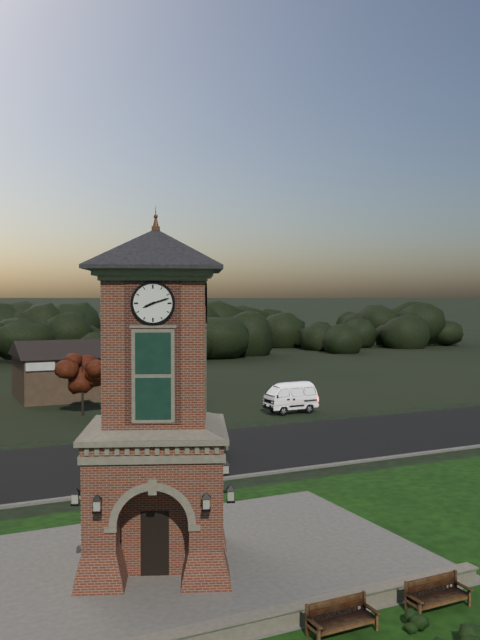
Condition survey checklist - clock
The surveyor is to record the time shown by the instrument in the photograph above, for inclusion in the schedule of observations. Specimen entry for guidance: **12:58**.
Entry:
**8:12**
